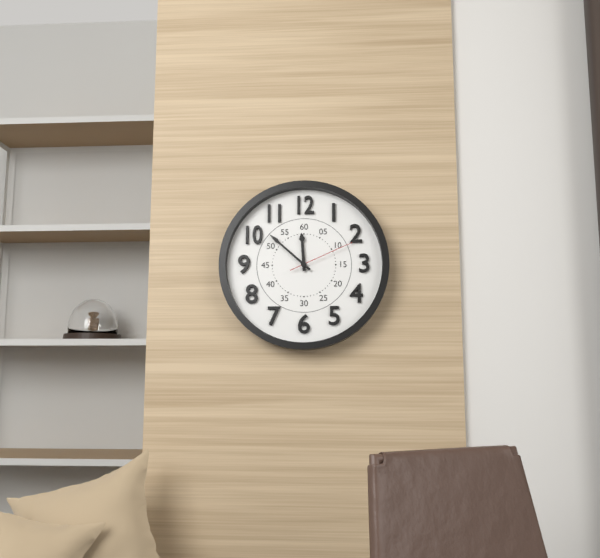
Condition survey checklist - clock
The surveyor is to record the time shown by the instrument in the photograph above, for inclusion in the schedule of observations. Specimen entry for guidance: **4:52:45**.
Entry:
**11:52:11**
